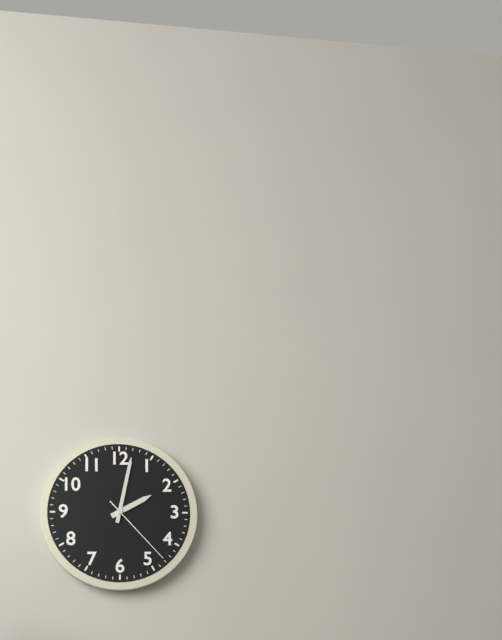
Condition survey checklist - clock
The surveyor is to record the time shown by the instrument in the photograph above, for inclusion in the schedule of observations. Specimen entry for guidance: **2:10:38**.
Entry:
**2:02:23**
